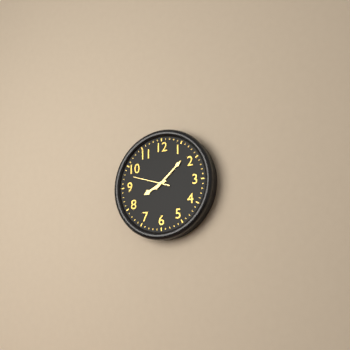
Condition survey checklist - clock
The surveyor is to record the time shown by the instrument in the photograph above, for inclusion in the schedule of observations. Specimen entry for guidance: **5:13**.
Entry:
**8:08**
